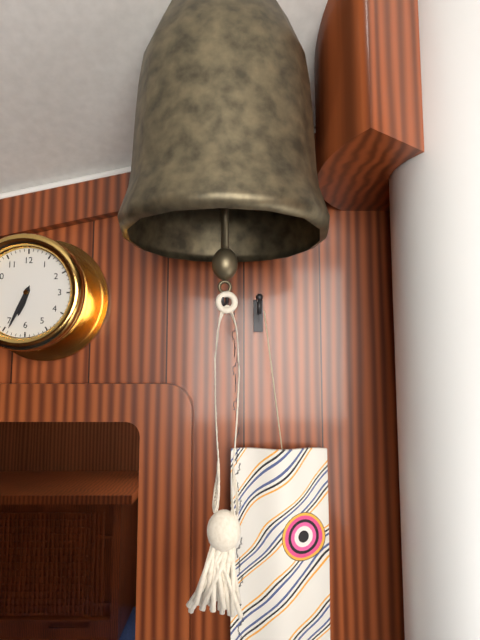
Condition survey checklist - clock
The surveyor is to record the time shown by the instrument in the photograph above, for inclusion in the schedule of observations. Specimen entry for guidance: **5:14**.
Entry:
**6:34**
